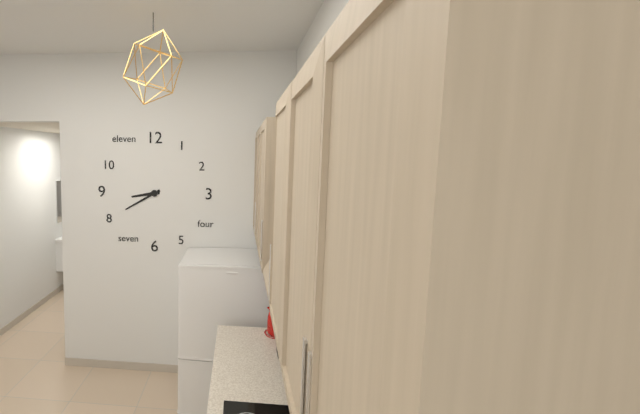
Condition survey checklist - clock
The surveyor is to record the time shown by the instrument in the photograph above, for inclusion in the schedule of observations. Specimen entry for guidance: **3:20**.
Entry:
**8:40**
